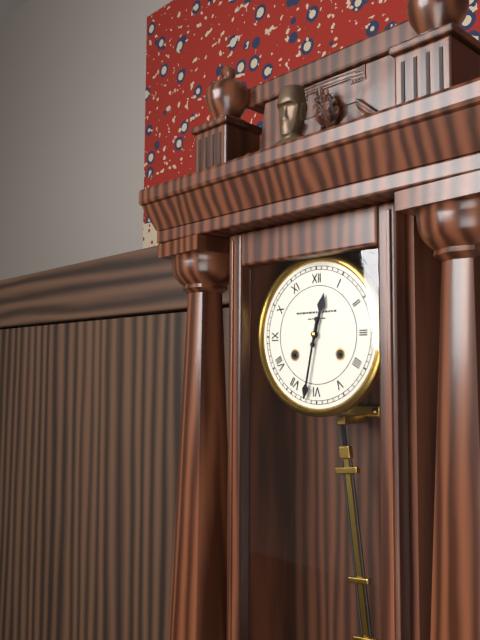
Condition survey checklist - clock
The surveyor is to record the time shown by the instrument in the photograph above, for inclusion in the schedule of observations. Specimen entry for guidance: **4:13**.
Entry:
**12:32**
